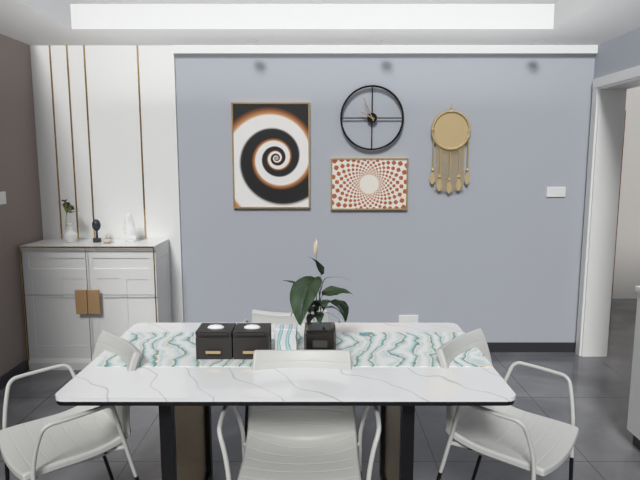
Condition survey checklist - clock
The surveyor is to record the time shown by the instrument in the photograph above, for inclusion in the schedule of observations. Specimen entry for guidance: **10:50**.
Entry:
**9:56**
